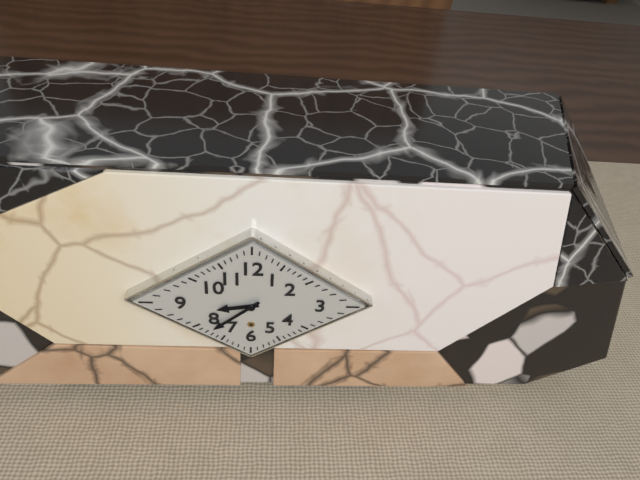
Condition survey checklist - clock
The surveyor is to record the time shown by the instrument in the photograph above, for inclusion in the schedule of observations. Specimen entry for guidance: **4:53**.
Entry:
**8:38**
